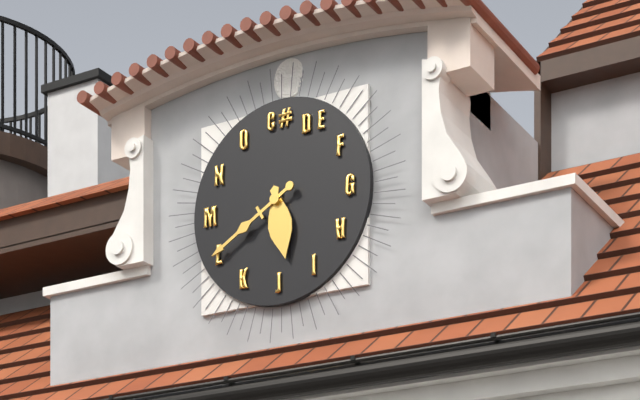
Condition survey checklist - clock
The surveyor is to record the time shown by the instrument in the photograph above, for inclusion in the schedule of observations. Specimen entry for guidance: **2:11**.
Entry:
**5:40**
